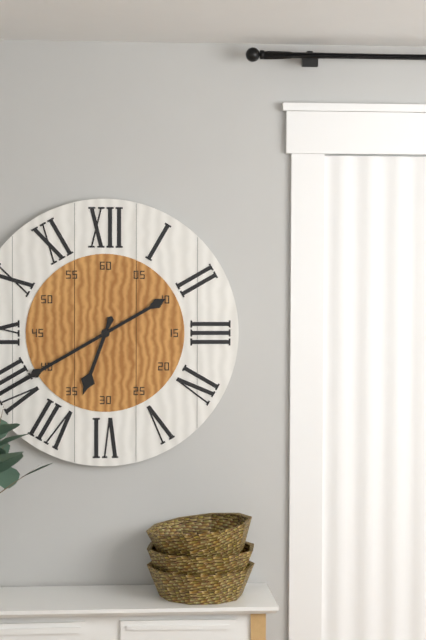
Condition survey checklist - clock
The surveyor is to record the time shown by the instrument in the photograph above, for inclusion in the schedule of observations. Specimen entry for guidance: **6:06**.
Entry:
**6:40**
